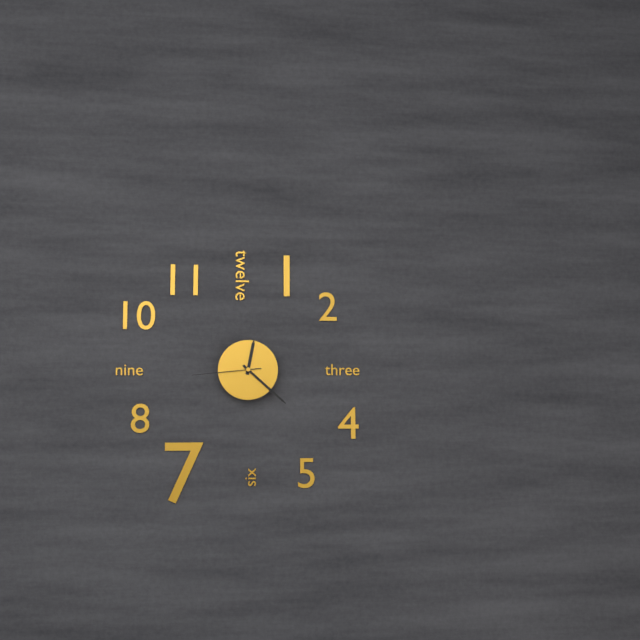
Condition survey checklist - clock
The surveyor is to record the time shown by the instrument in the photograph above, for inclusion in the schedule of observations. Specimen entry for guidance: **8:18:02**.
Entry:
**12:22:44**
